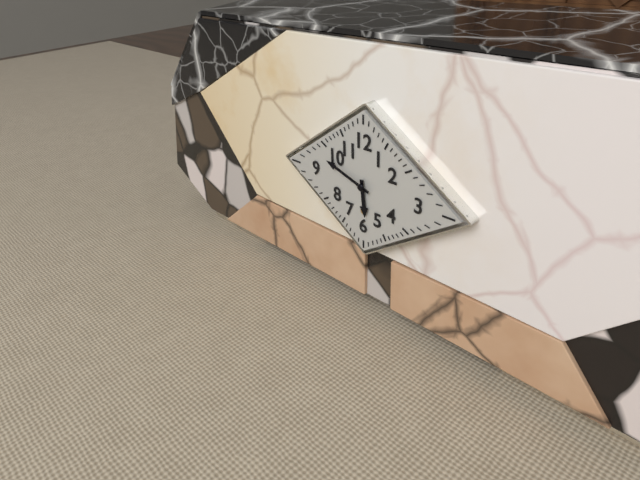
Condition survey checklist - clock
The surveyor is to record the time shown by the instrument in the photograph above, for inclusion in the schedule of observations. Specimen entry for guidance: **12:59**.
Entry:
**5:48**
